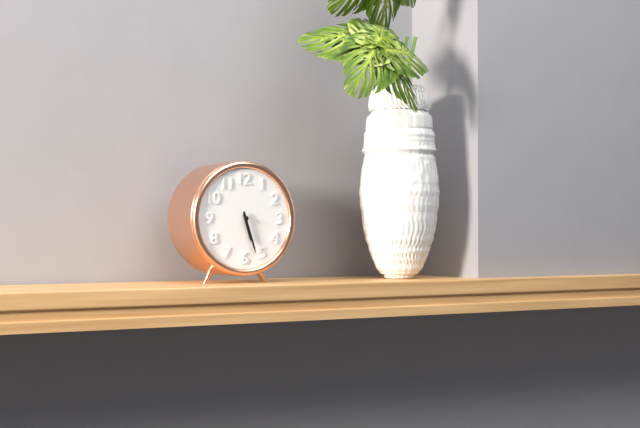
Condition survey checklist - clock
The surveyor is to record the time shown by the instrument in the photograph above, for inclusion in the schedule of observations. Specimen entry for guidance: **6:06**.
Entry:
**5:27**
